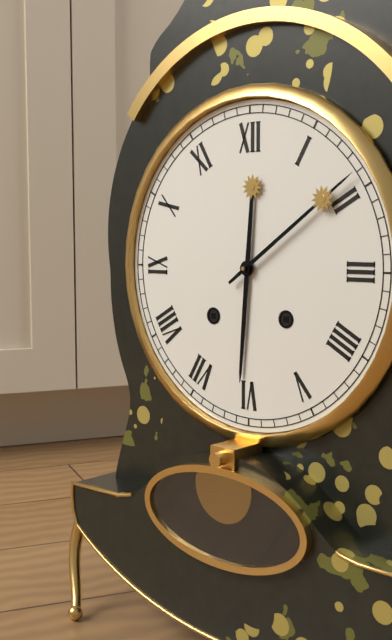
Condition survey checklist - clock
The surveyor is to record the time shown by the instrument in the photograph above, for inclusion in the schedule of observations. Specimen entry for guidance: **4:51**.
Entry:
**6:09**
